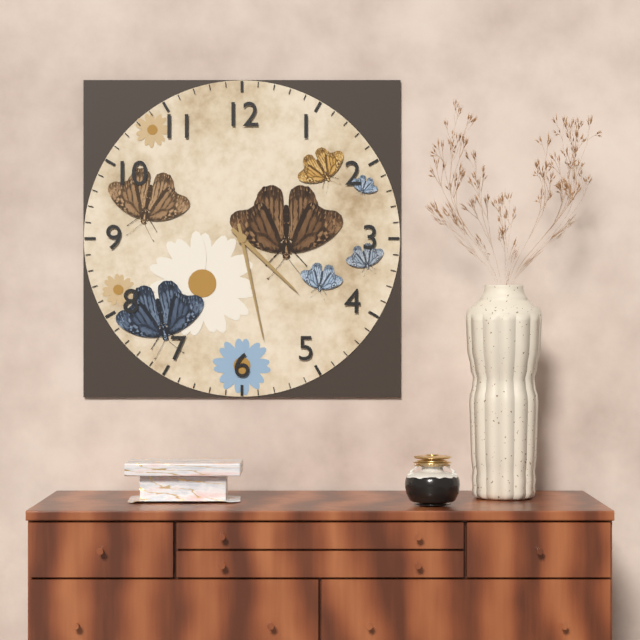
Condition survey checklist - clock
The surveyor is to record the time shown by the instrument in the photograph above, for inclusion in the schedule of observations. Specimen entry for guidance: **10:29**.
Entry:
**4:28**
